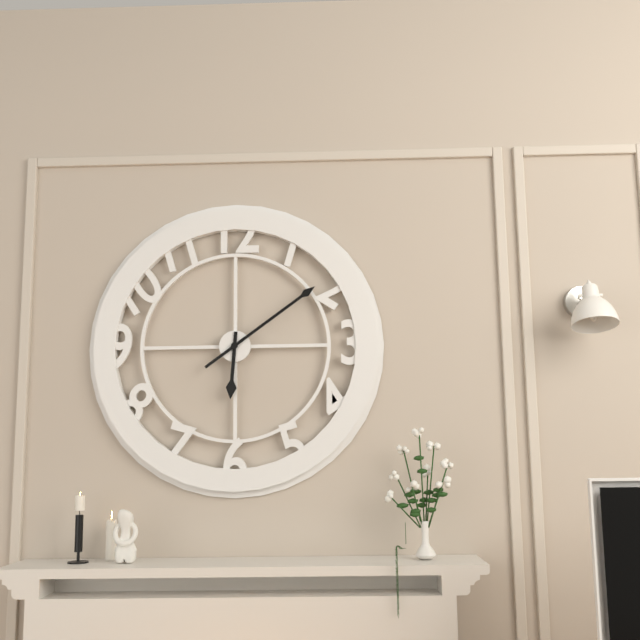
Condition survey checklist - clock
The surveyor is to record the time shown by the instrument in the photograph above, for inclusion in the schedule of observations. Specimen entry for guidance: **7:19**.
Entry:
**6:09**
